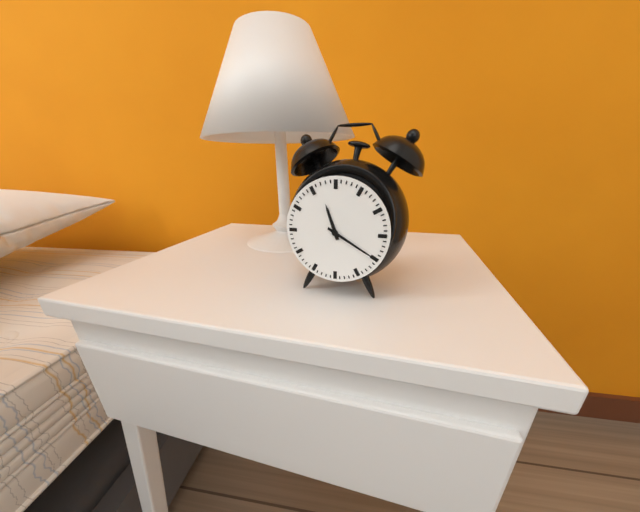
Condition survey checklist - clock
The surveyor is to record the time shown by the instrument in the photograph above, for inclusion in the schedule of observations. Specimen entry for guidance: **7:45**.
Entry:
**11:20**
